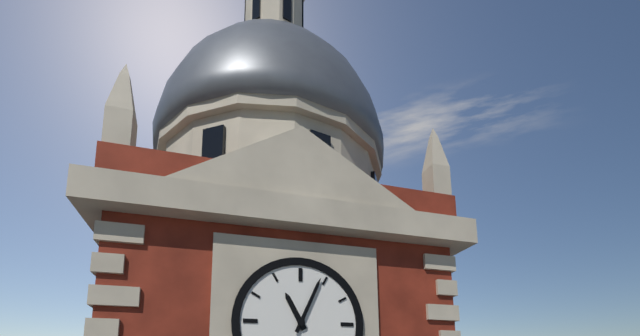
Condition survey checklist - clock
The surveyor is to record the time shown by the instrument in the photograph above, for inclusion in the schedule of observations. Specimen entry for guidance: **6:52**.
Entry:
**11:04**
